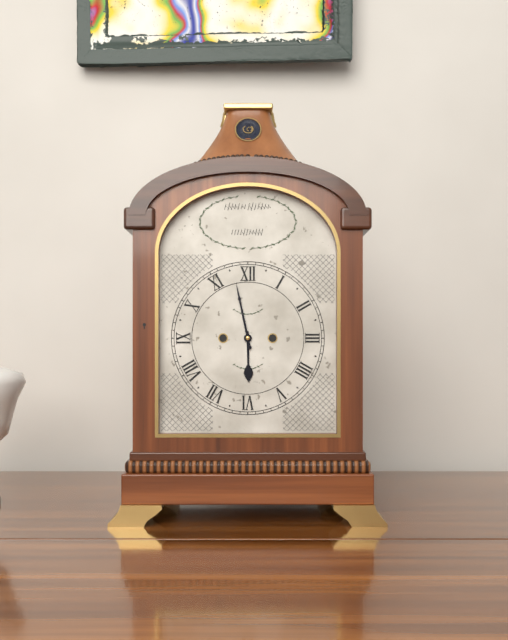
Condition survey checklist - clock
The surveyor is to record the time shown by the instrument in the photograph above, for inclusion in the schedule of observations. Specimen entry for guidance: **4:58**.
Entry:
**5:58**
